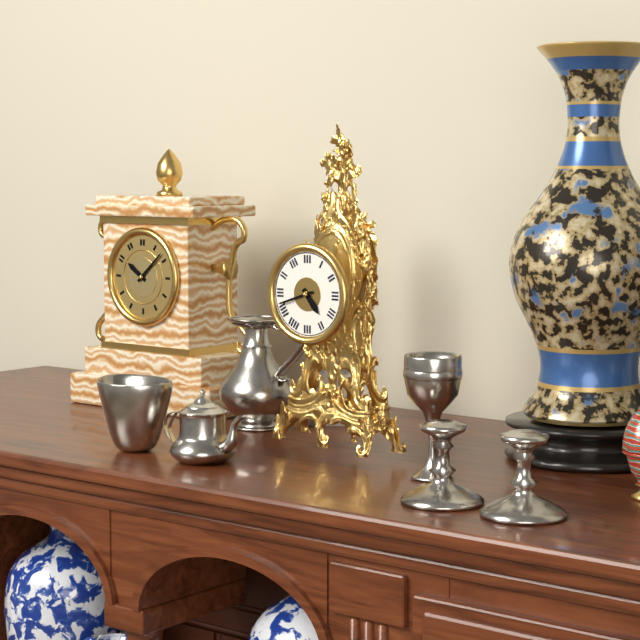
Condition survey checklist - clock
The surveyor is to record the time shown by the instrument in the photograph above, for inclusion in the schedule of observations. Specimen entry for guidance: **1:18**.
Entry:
**4:42**
